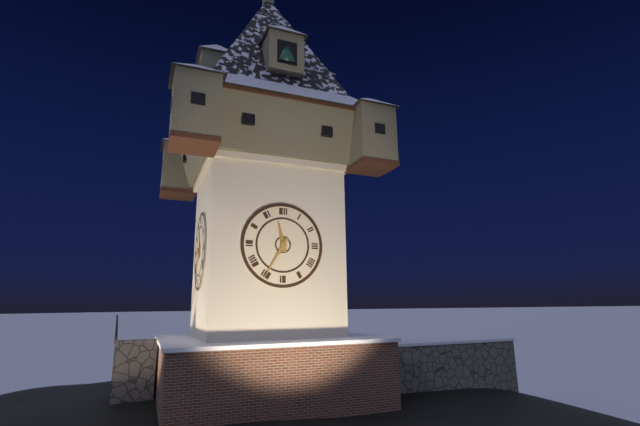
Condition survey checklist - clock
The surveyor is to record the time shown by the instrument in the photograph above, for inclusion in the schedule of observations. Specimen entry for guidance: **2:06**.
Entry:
**11:35**
